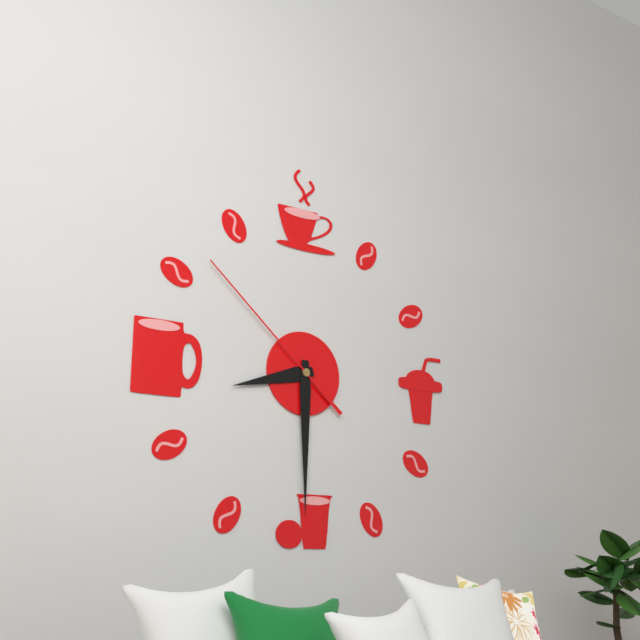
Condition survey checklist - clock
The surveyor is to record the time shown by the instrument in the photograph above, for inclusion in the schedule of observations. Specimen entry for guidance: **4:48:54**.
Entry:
**8:30:52**
